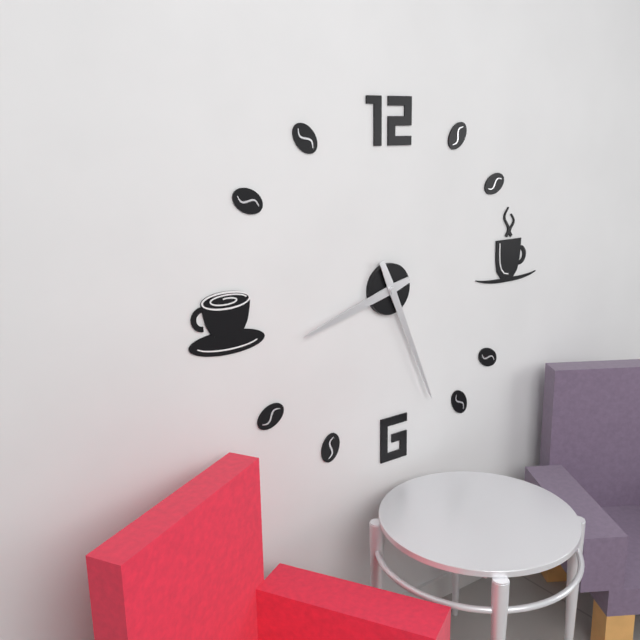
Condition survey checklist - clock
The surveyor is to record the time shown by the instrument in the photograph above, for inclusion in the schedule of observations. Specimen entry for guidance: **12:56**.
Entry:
**8:26**
